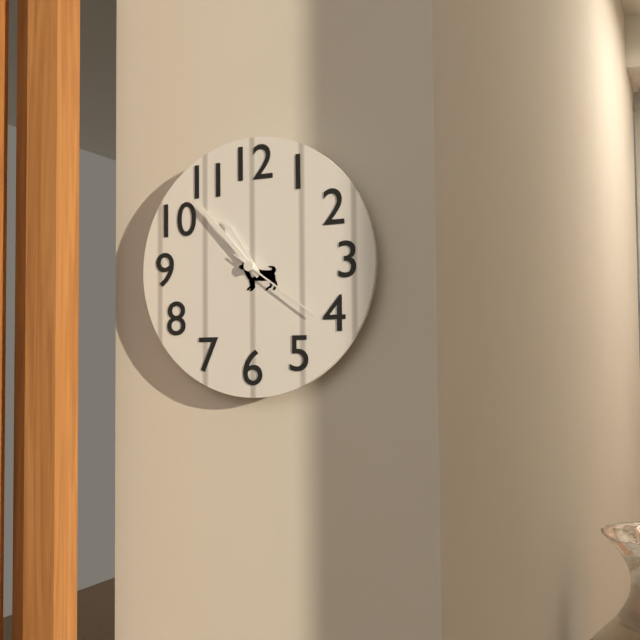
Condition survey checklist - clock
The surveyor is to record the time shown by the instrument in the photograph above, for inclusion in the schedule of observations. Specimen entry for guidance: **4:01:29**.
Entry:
**10:53:21**
